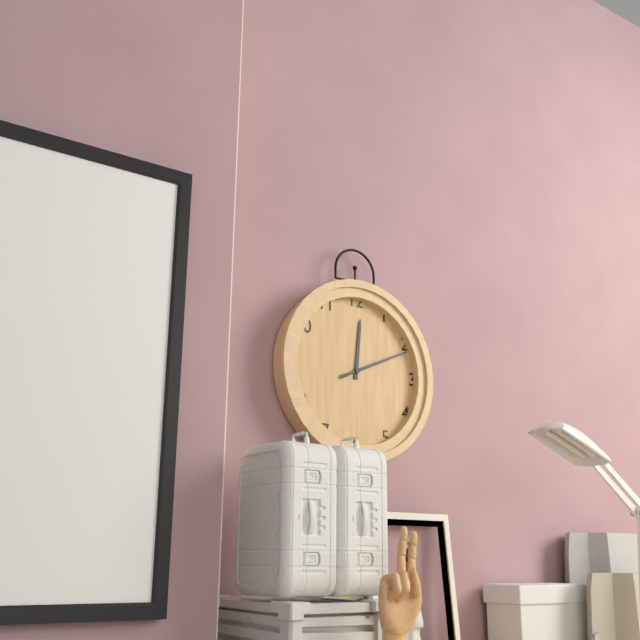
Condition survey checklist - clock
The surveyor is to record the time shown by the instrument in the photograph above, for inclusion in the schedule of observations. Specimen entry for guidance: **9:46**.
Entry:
**12:11**
